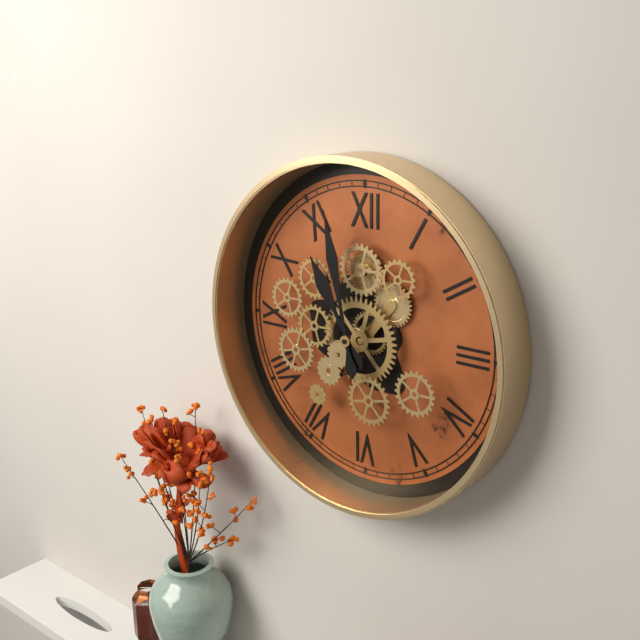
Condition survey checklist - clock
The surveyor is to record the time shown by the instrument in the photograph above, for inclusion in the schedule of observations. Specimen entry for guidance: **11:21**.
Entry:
**10:58**
